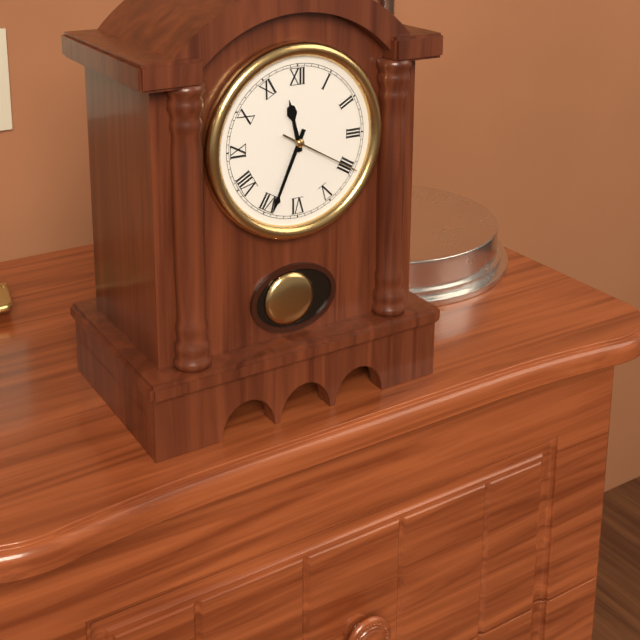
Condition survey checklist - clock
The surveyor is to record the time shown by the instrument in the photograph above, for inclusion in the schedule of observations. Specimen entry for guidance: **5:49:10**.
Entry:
**11:34:20**
